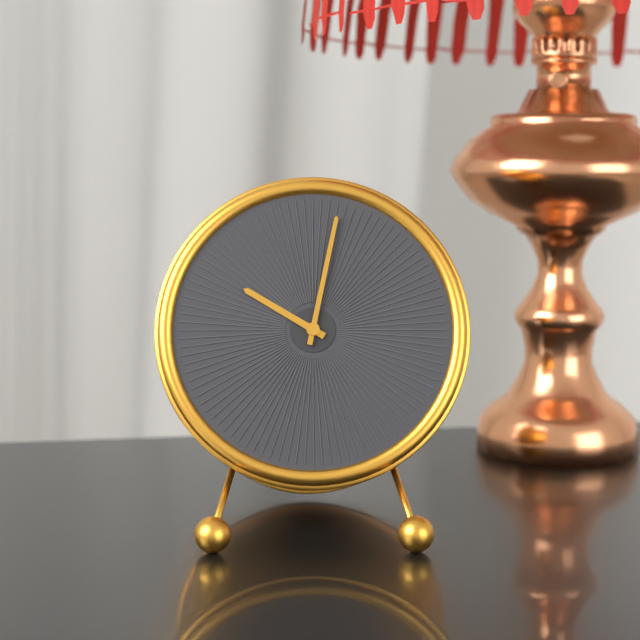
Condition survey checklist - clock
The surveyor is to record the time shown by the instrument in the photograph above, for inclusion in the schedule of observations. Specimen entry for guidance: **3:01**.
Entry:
**10:02**
